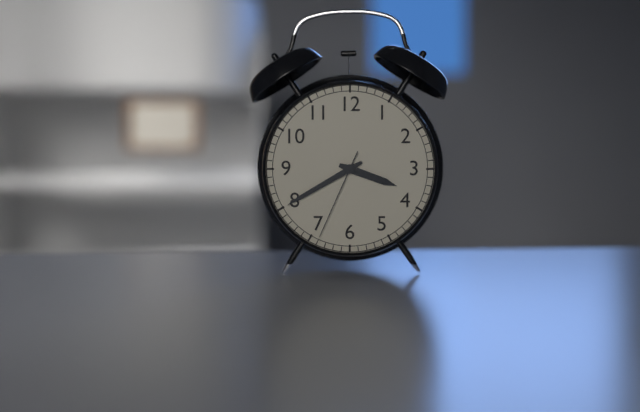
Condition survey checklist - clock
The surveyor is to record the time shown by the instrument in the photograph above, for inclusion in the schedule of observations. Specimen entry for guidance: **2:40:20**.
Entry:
**3:40:34**
